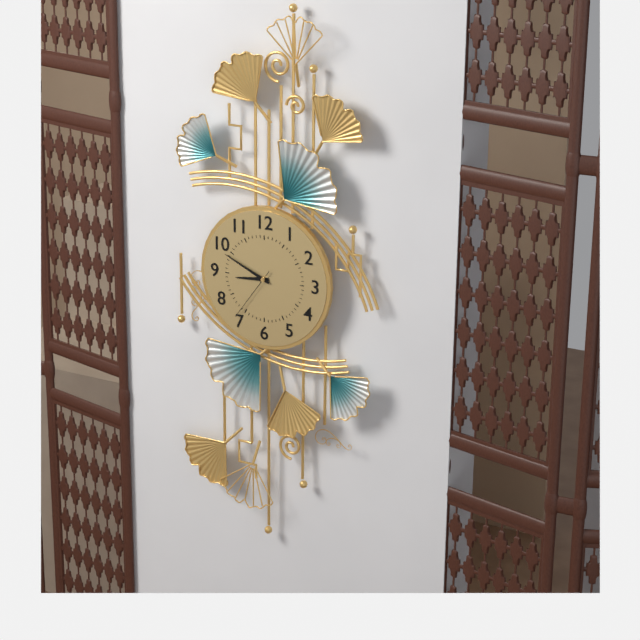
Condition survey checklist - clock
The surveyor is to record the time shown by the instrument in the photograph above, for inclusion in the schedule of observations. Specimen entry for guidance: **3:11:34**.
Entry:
**8:49:36**
